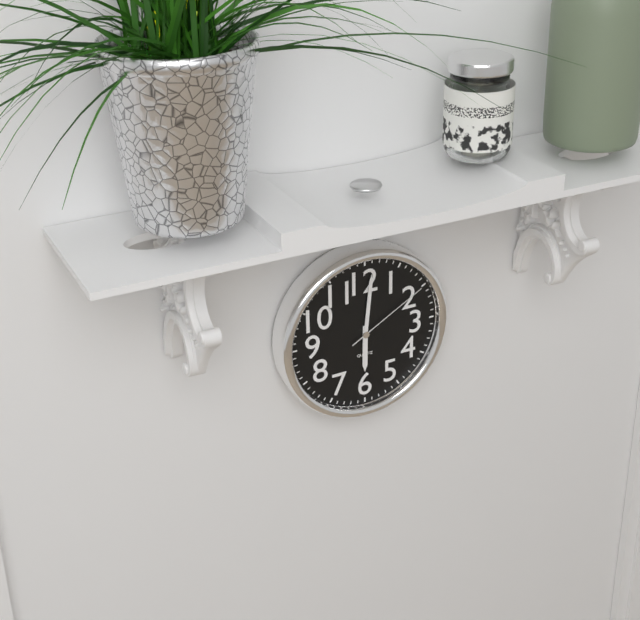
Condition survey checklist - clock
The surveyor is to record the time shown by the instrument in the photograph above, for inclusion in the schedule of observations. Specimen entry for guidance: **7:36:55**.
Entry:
**6:01:10**
